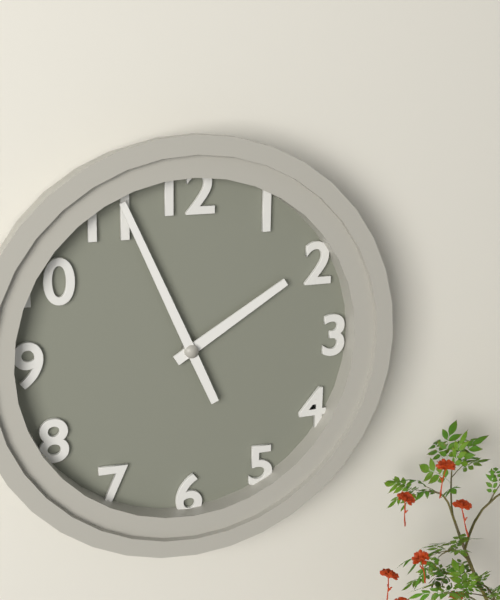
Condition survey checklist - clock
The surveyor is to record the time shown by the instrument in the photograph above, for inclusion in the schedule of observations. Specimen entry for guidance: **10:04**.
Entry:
**1:56**
